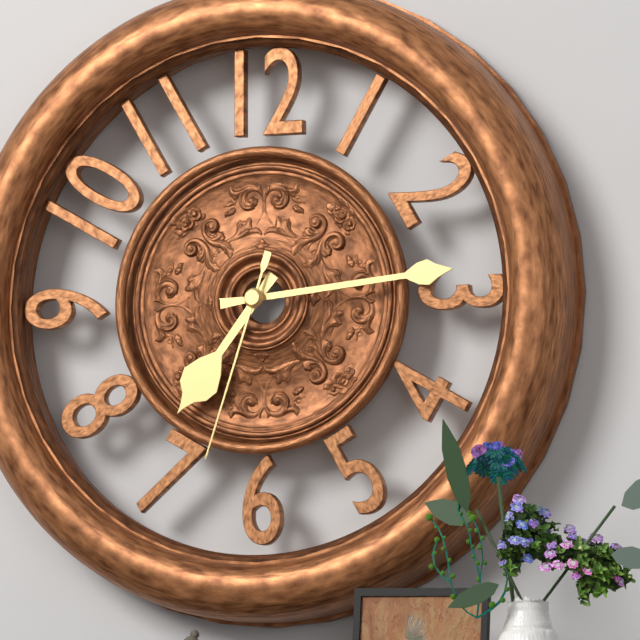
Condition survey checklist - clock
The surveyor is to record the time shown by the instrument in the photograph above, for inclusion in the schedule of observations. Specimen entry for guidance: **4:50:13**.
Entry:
**7:14:33**
